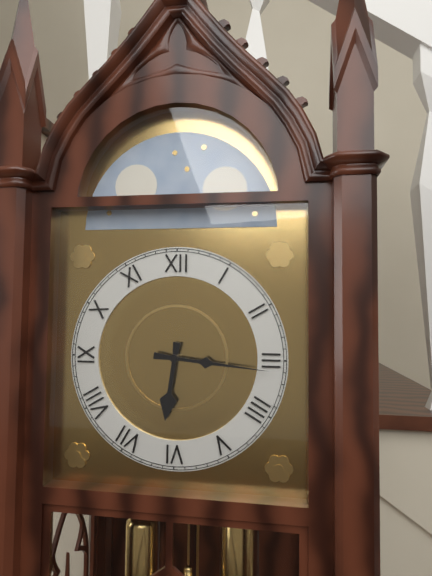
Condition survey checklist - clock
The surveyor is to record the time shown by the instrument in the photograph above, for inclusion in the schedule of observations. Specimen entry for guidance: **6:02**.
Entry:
**6:16**
